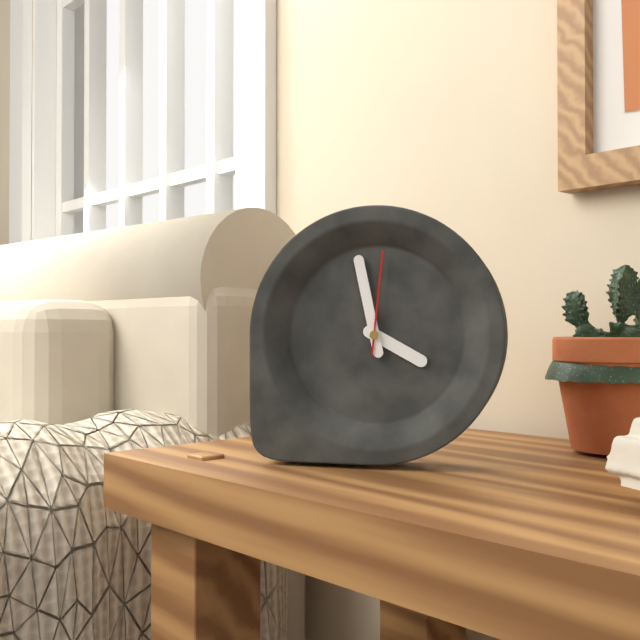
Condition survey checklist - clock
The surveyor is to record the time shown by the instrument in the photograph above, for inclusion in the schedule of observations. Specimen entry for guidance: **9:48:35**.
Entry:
**3:58:01**
